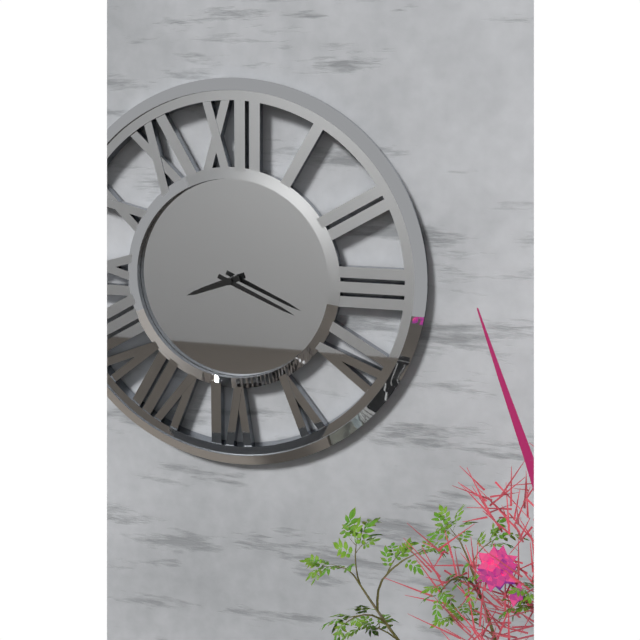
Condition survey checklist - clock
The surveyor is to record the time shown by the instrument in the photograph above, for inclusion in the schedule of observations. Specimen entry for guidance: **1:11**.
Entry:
**8:19**
